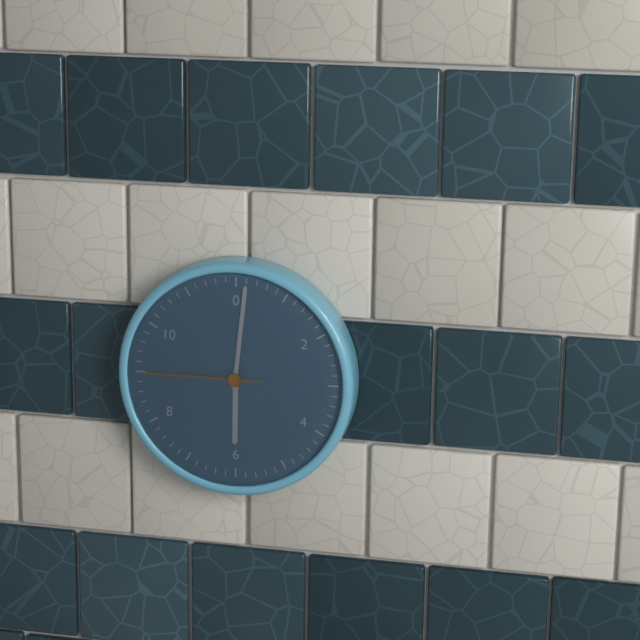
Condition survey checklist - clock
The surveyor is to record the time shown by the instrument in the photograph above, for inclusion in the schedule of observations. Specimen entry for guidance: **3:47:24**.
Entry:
**6:01:45**
